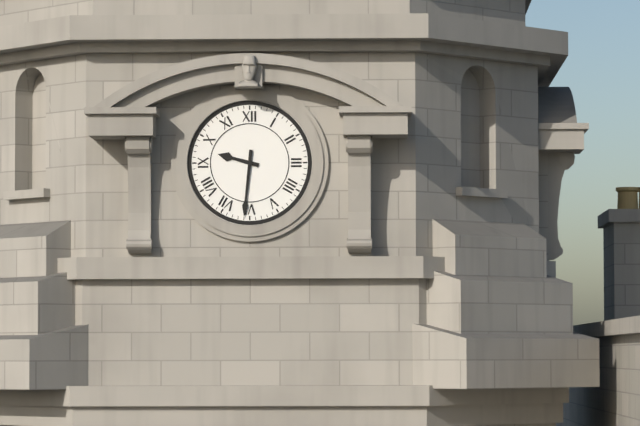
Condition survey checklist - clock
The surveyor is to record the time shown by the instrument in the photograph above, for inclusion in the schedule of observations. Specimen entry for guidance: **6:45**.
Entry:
**9:31**
